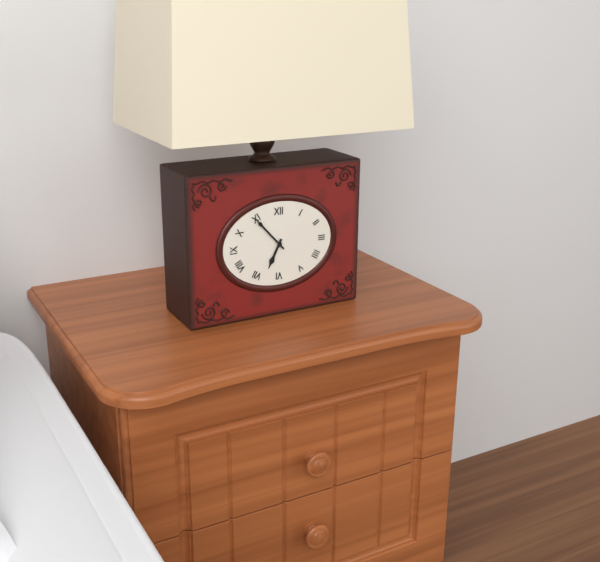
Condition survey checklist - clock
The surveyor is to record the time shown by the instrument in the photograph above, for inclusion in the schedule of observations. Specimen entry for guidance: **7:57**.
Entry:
**6:53**
